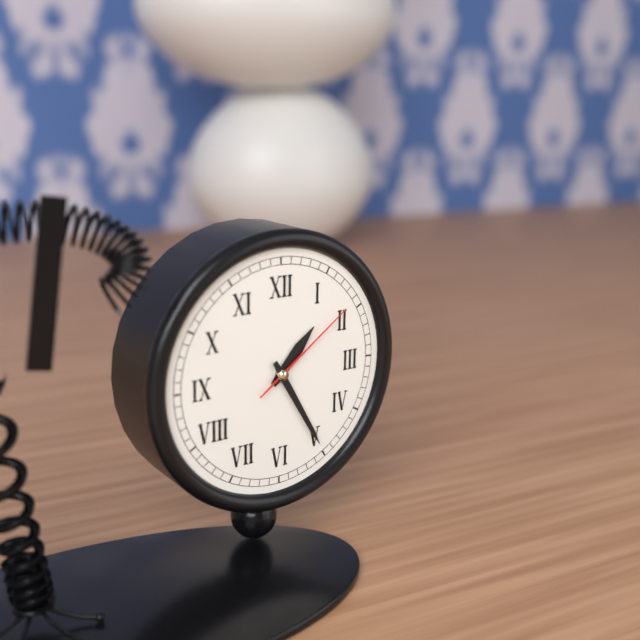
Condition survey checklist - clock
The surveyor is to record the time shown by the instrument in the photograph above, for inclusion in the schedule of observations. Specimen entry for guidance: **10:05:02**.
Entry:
**1:25:09**
